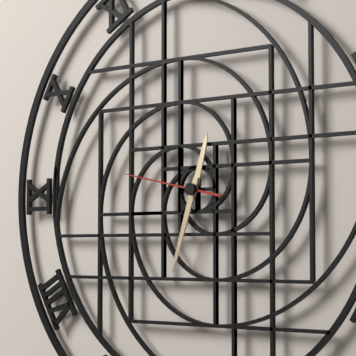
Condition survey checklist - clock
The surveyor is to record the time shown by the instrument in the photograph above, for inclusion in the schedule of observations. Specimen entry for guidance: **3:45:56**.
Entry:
**12:33:47**
